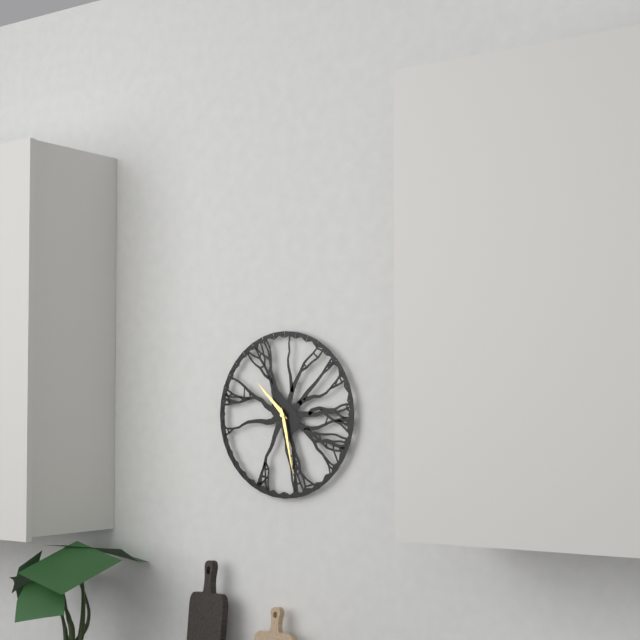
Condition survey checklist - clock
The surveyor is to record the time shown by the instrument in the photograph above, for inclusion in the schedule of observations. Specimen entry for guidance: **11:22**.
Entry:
**10:28**
